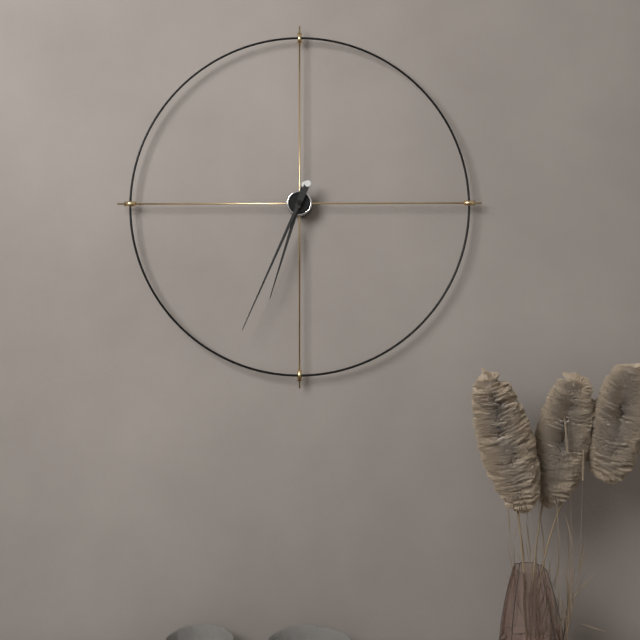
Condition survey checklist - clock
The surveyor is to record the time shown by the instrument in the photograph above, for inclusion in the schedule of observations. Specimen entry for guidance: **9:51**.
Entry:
**6:34**
